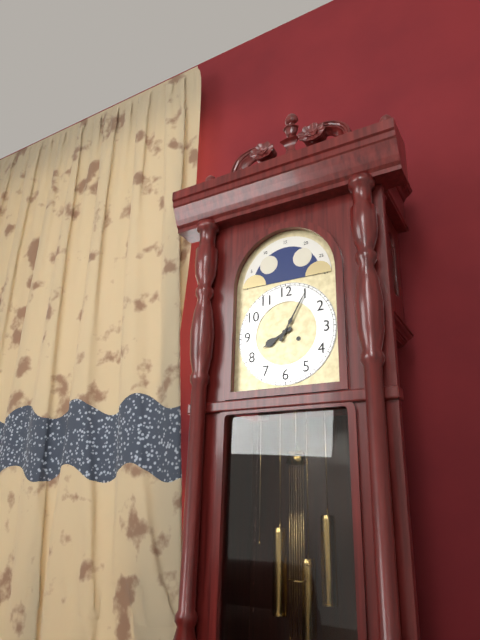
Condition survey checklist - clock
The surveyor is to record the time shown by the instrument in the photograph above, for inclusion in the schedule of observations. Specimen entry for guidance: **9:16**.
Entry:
**8:05**
